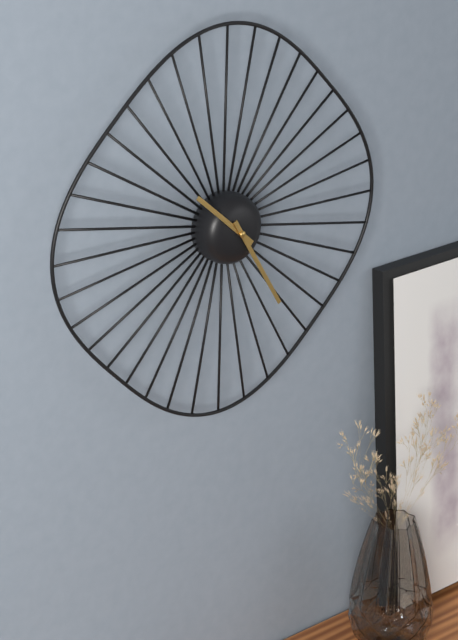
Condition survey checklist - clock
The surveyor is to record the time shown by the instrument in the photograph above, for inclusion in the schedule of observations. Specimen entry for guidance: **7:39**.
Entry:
**10:25**
